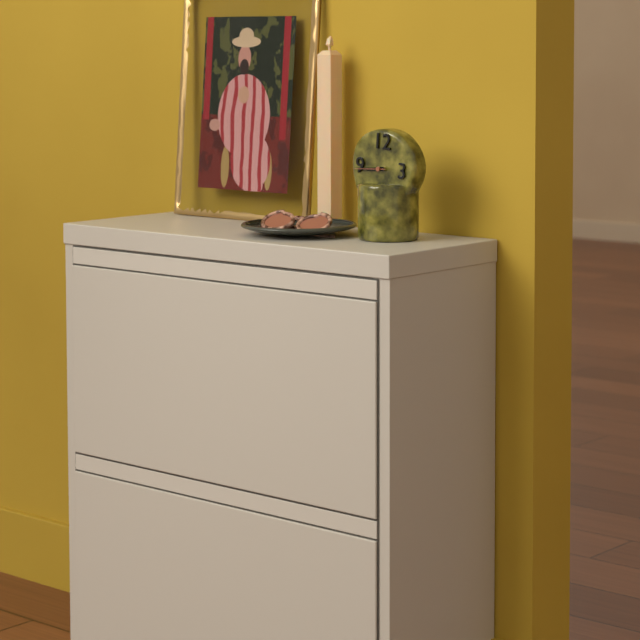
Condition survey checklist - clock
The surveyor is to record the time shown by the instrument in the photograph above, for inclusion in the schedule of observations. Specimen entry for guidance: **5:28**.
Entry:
**8:44**
